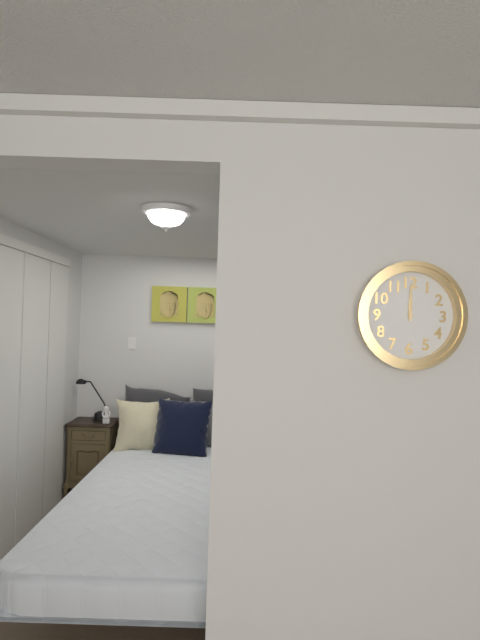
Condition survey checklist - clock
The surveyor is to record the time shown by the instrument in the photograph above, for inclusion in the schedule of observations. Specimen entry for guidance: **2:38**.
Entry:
**12:00**
